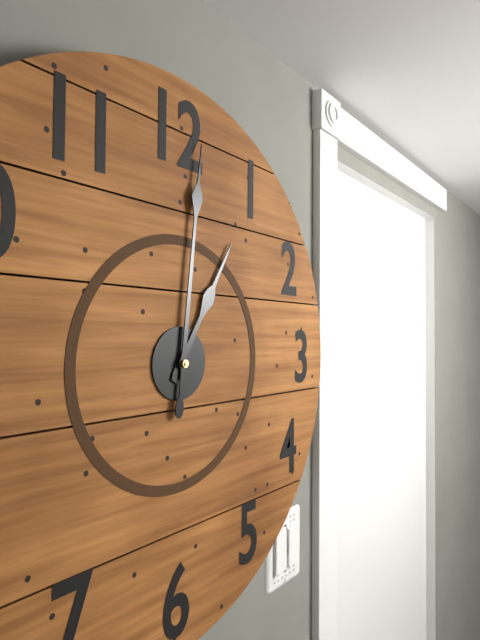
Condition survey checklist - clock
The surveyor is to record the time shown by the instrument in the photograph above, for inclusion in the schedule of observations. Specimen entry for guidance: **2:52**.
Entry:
**1:01**
